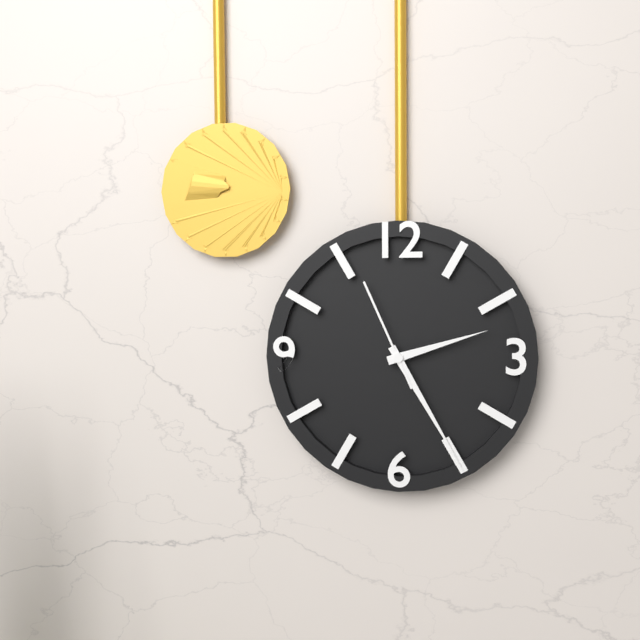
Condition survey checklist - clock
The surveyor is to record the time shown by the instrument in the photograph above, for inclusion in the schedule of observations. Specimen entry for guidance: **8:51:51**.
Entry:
**2:25:56**
